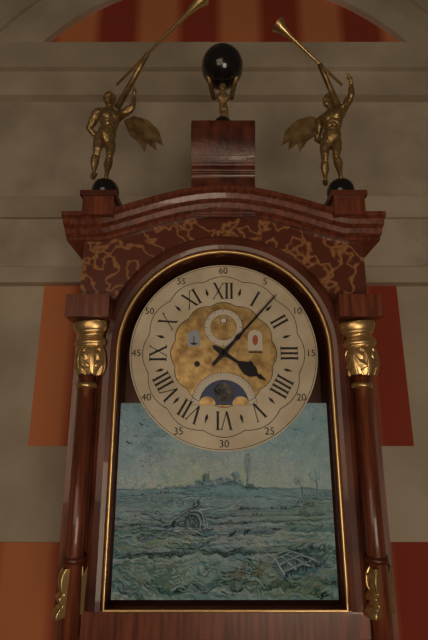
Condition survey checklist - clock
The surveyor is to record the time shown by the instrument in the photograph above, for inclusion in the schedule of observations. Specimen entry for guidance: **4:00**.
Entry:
**4:07**
